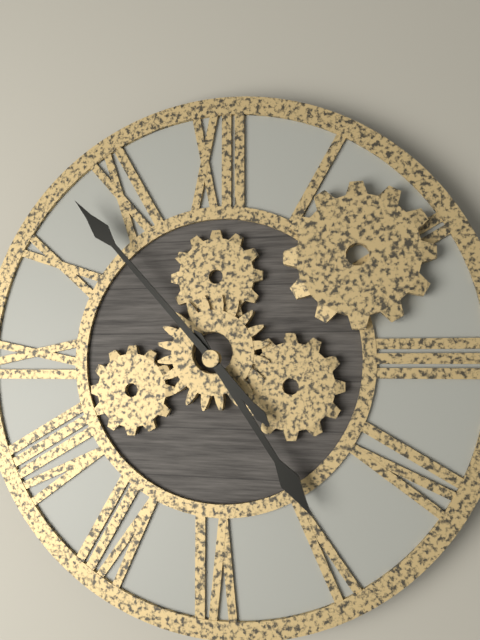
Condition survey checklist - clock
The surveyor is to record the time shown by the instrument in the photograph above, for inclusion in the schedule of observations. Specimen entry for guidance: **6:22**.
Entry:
**4:53**
